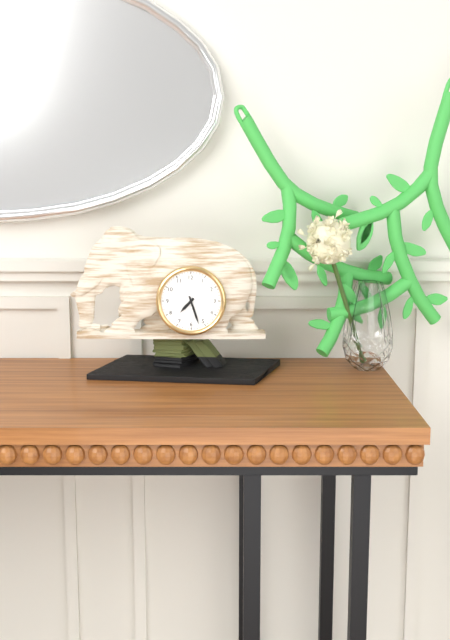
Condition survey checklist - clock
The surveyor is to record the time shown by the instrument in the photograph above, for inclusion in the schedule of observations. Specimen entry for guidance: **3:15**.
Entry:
**7:27**
